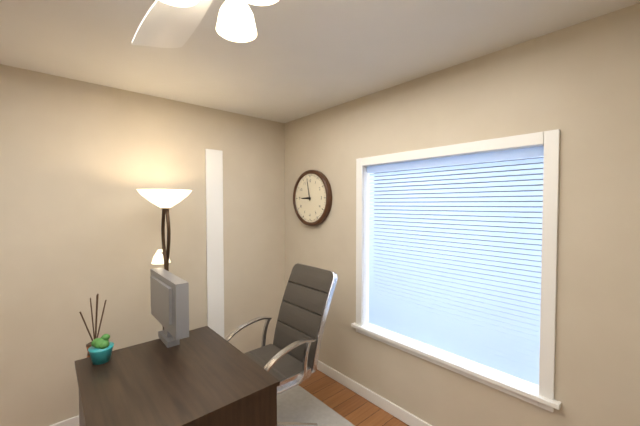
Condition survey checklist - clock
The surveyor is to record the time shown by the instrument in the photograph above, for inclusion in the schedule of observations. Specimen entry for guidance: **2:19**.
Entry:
**8:58**
